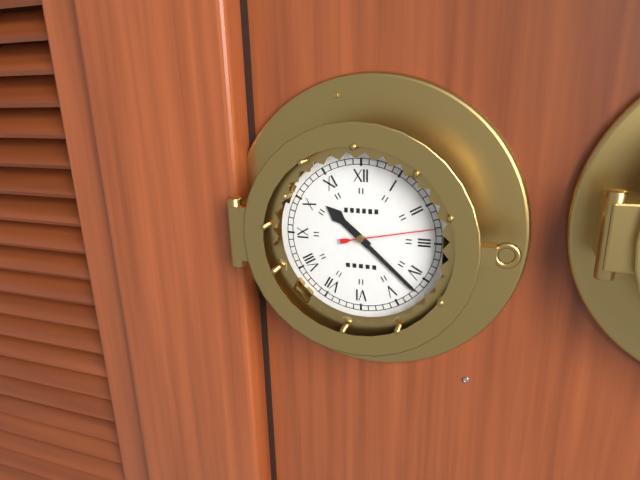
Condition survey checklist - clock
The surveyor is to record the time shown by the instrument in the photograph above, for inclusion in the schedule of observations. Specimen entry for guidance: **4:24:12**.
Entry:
**10:22:13**
